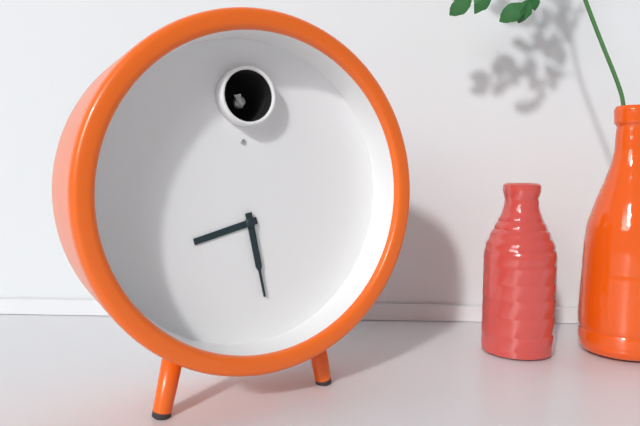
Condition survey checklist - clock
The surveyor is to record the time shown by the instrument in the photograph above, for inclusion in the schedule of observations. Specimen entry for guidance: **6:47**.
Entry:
**8:28**
